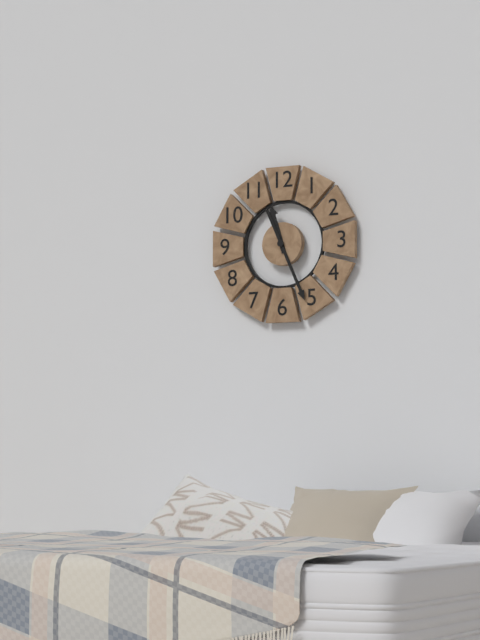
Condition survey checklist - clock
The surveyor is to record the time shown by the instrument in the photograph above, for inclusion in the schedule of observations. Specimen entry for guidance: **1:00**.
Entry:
**11:26**
